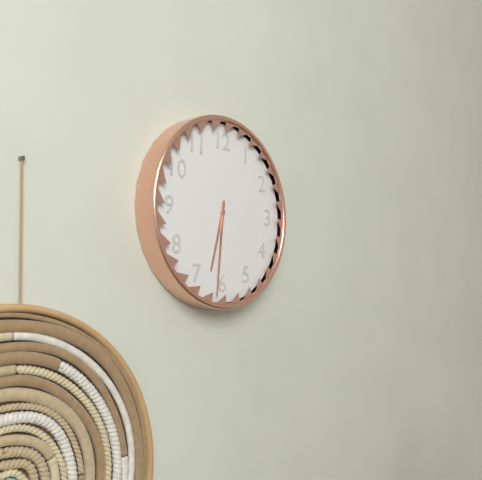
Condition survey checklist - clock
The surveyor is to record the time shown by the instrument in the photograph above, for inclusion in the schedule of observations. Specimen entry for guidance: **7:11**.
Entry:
**6:31**
